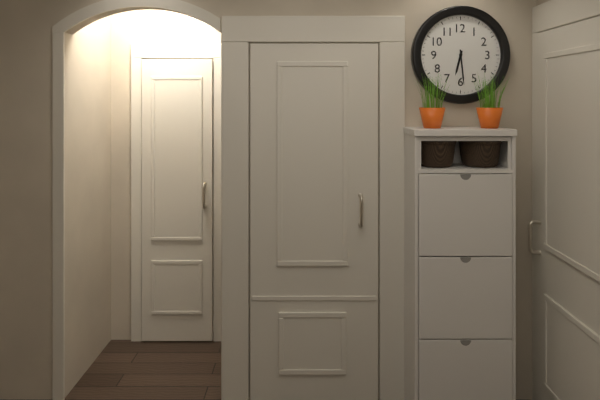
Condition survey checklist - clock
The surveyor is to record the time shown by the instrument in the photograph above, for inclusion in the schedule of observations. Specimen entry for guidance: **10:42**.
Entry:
**6:29**
